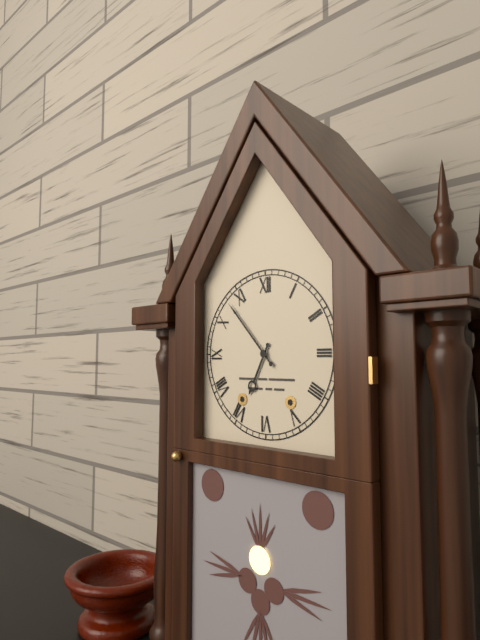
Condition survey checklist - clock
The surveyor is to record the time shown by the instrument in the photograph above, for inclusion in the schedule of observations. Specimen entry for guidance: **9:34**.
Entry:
**6:53**
